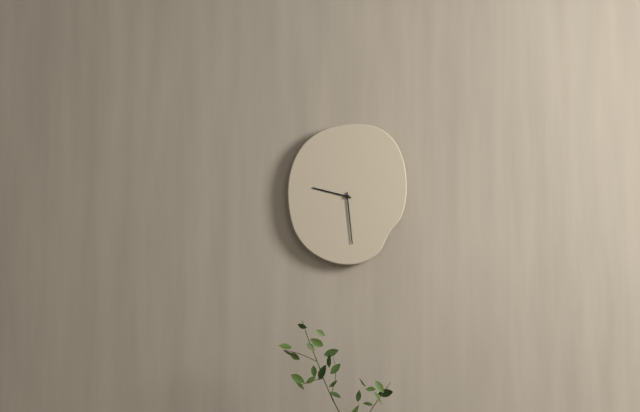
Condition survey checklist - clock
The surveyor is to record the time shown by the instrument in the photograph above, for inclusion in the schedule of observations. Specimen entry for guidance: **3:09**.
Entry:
**9:29**
